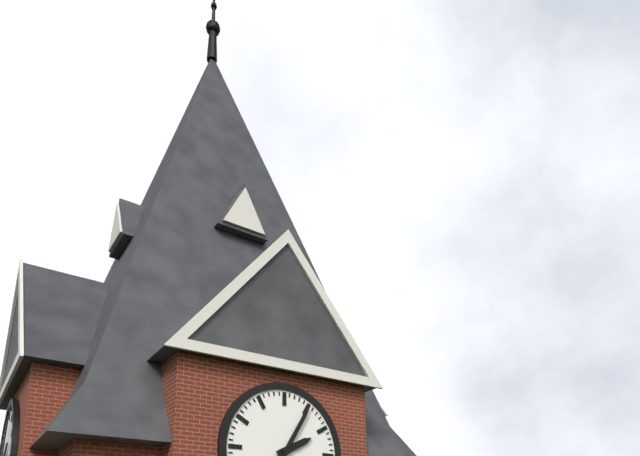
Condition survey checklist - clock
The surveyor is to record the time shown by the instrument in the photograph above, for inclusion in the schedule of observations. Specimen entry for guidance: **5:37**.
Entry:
**2:05**
